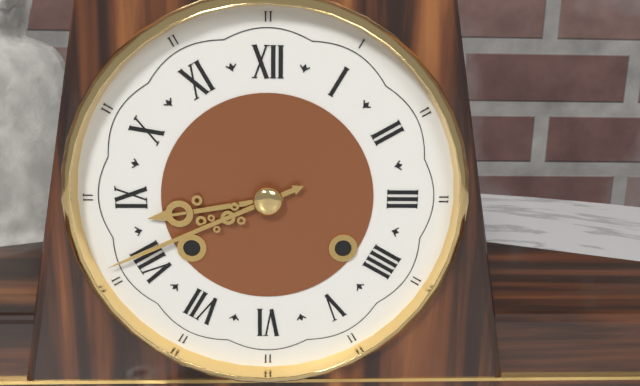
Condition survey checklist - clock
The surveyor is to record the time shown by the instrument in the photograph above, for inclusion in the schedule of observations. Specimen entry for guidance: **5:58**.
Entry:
**8:41**
